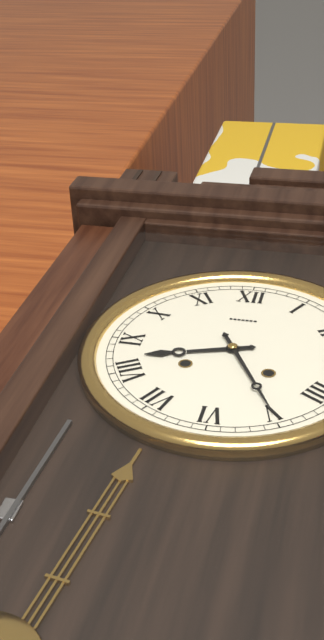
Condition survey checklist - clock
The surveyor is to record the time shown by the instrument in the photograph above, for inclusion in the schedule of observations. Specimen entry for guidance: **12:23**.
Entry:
**8:25**
